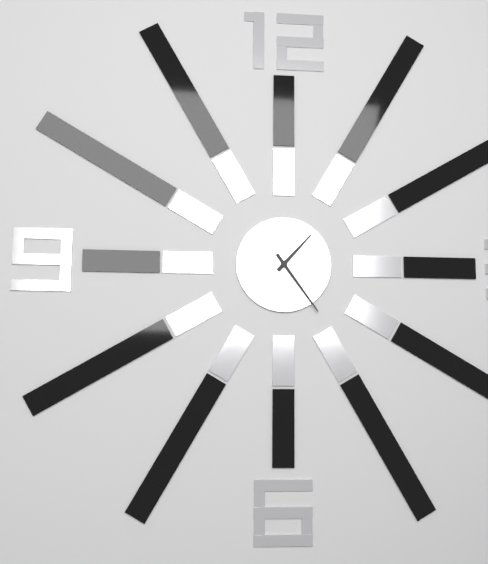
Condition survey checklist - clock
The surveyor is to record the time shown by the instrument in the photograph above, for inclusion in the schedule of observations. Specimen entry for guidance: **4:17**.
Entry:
**1:24**
